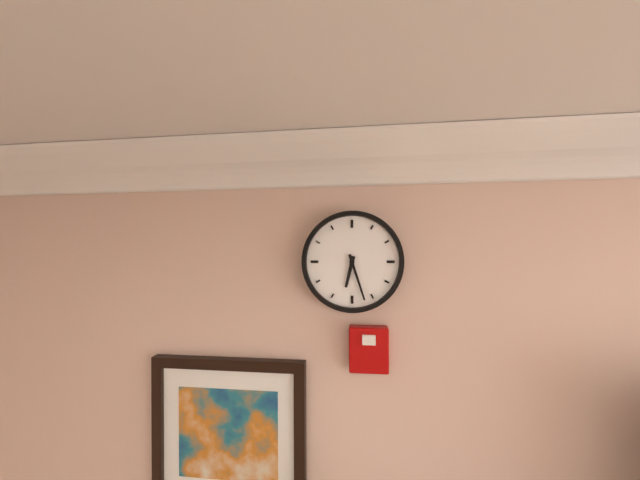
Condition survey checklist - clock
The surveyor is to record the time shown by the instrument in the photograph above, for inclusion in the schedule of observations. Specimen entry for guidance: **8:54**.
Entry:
**6:27**
